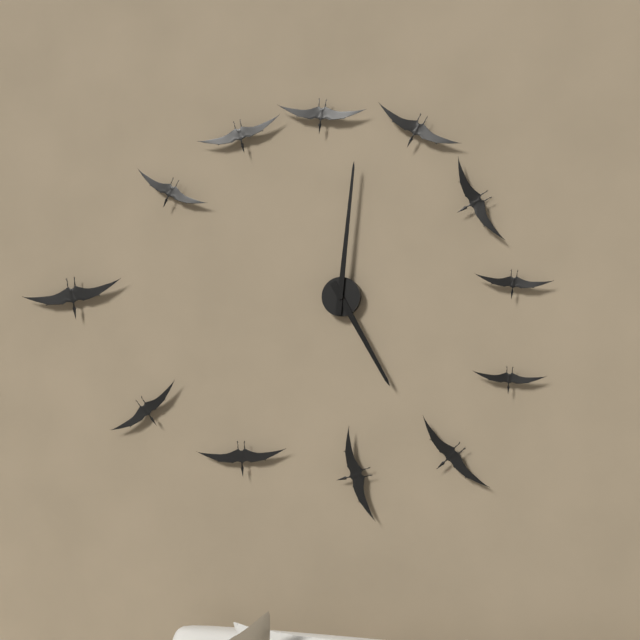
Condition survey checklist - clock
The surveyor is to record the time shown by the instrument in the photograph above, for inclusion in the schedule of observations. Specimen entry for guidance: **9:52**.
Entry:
**5:01**
